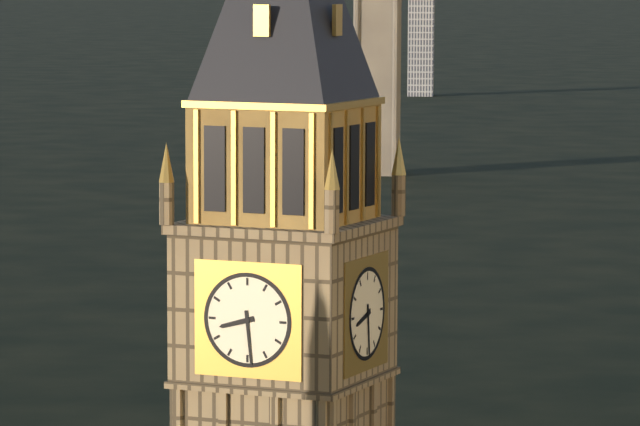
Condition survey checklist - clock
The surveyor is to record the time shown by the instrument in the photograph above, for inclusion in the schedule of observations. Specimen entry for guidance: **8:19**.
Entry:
**8:29**
